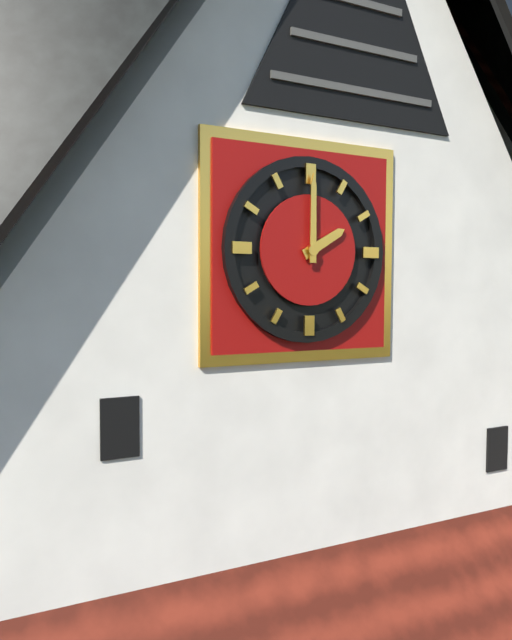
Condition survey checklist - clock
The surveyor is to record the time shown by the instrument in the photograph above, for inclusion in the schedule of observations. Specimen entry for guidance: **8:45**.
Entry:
**2:00**
